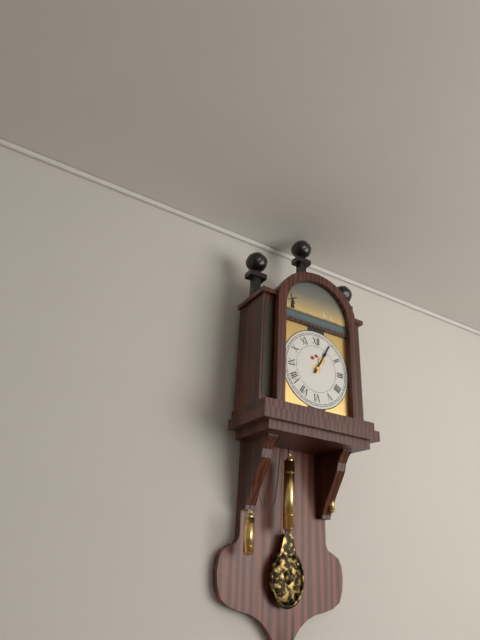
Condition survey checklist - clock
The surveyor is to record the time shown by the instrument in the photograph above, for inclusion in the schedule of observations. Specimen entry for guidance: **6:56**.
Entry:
**1:05**
